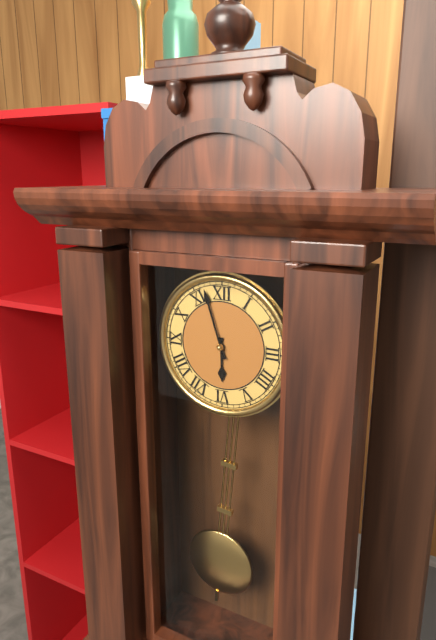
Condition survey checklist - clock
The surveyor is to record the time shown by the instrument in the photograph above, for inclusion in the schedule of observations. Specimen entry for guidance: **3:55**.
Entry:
**5:57**
